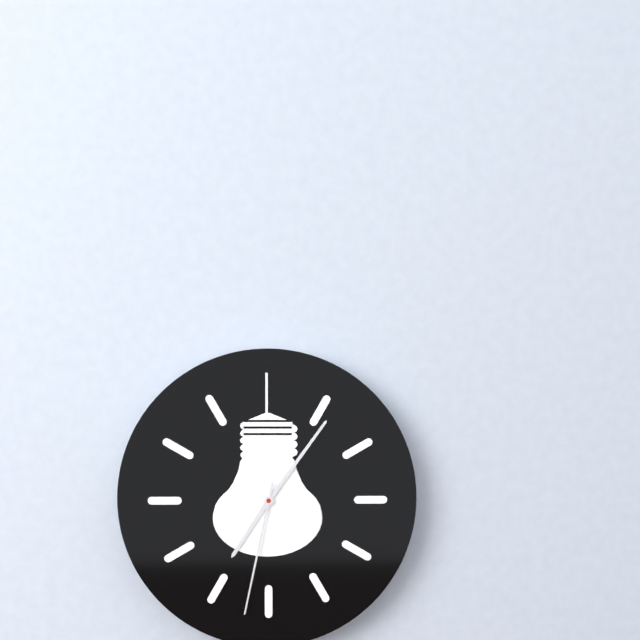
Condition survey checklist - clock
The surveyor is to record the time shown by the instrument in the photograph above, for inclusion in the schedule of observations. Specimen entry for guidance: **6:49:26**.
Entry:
**7:06:32**
